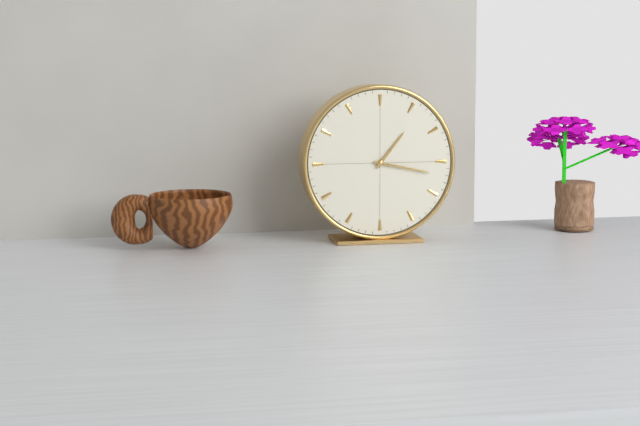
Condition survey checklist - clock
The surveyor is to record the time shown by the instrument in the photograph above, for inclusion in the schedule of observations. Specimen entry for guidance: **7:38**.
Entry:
**1:17**
